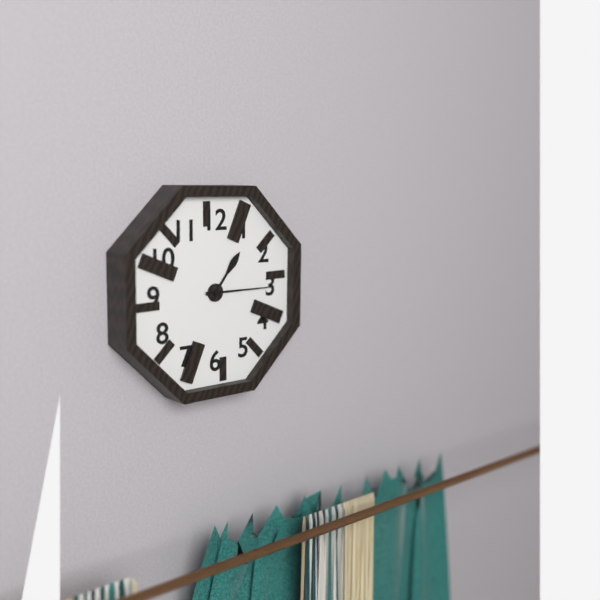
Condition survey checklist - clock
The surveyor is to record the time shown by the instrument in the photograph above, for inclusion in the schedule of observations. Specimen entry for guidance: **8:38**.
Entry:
**1:15**
